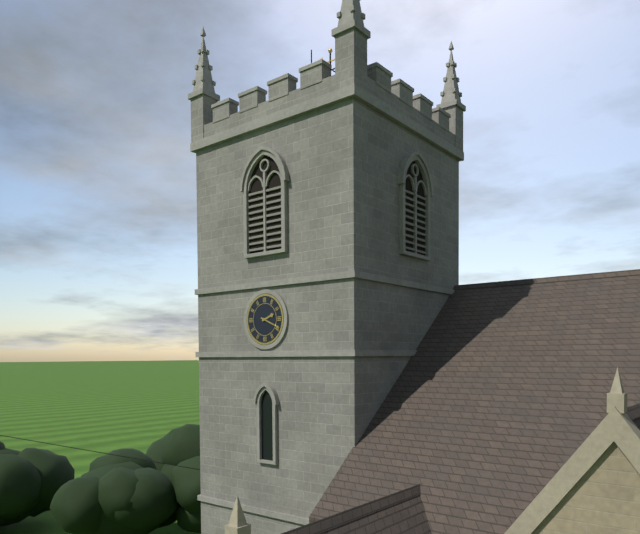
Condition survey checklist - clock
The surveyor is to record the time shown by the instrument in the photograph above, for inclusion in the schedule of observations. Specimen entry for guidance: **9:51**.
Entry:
**2:19**
